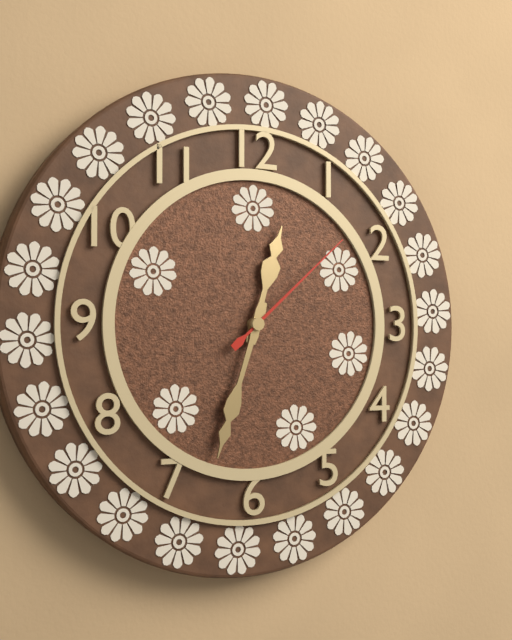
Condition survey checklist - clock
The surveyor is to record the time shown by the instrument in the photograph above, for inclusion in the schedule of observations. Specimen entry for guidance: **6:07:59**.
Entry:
**12:33:08**
